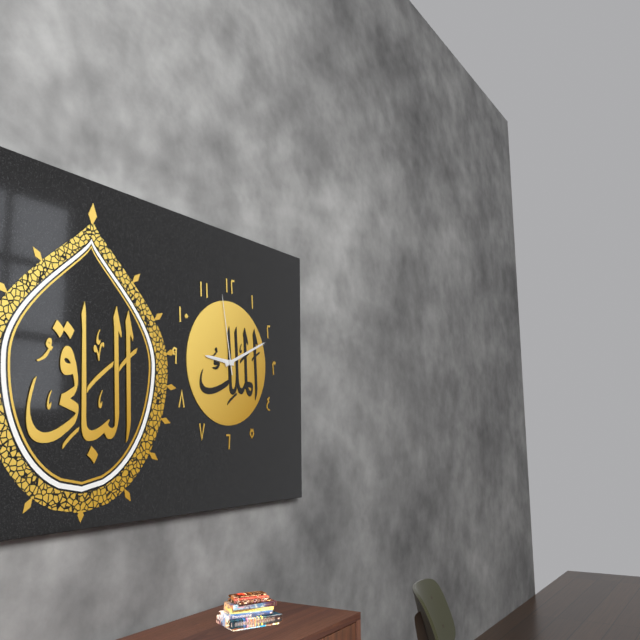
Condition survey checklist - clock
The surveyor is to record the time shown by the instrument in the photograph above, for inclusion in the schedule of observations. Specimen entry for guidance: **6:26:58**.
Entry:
**9:11:58**
